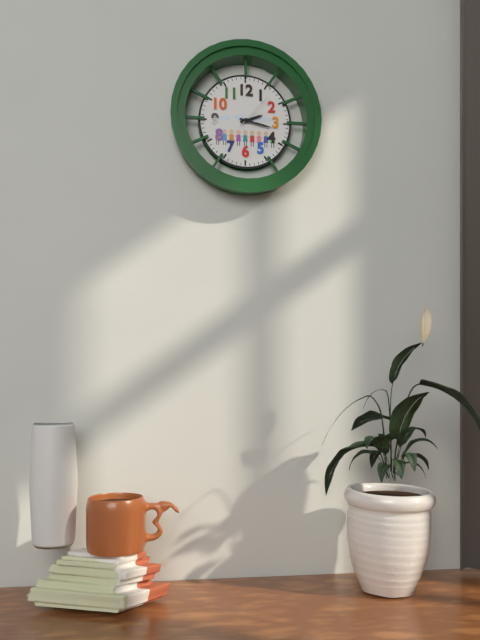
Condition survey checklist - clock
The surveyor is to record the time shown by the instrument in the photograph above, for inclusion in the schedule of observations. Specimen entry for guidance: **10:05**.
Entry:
**2:17**
